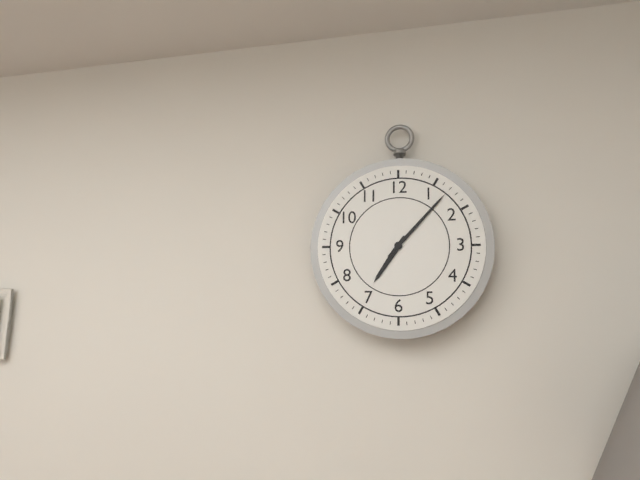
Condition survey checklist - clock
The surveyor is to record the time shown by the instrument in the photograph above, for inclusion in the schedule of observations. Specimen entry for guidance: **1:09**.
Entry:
**7:07**
